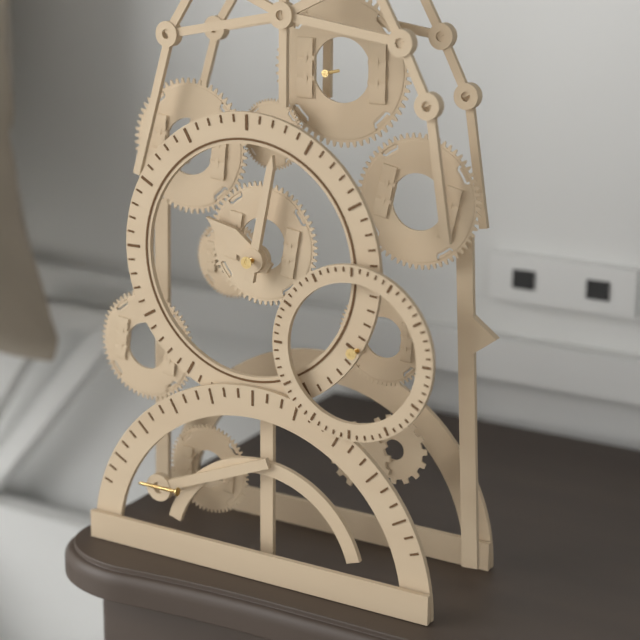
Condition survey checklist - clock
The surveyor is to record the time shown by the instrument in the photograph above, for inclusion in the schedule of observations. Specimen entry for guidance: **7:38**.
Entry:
**10:02**
